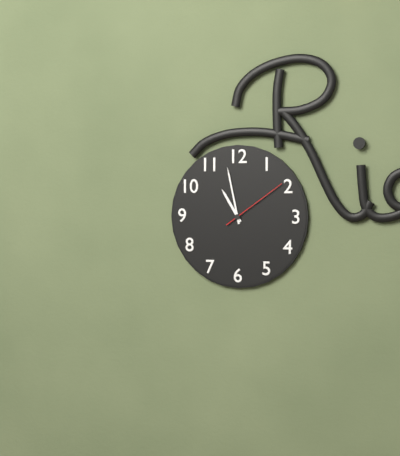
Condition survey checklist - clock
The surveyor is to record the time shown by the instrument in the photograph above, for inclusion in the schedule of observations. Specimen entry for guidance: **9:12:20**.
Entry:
**10:58:09**
